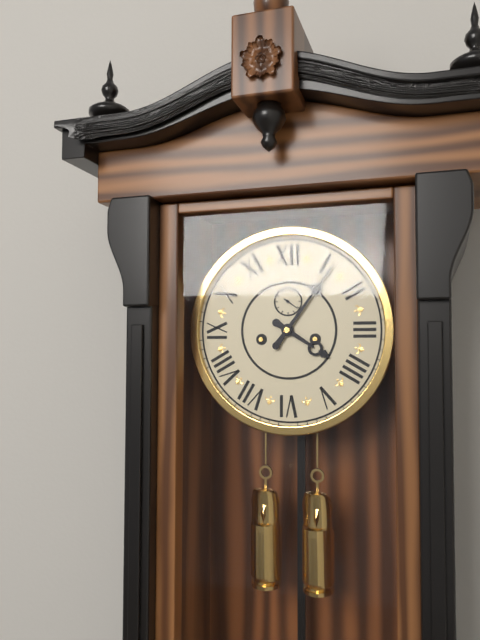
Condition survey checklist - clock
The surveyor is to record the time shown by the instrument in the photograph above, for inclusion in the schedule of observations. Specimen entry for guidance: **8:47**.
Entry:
**4:06**
